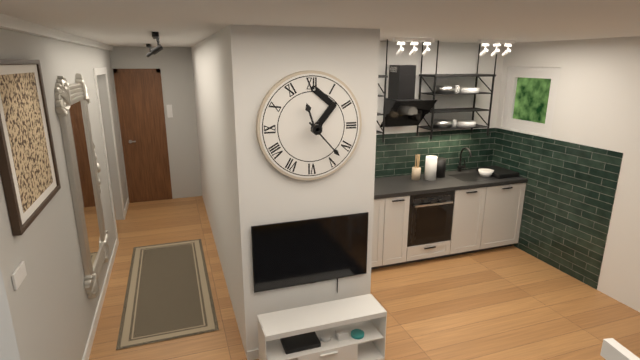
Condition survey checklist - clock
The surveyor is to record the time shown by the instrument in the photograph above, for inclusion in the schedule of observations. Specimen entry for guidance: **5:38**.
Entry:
**11:23**
